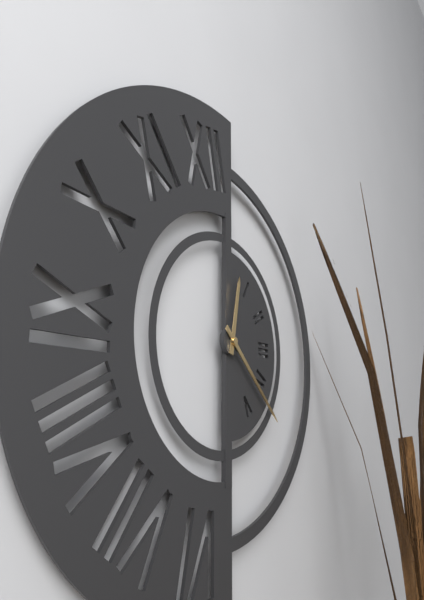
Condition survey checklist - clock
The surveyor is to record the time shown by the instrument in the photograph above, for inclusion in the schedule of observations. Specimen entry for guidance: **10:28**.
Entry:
**12:22**
